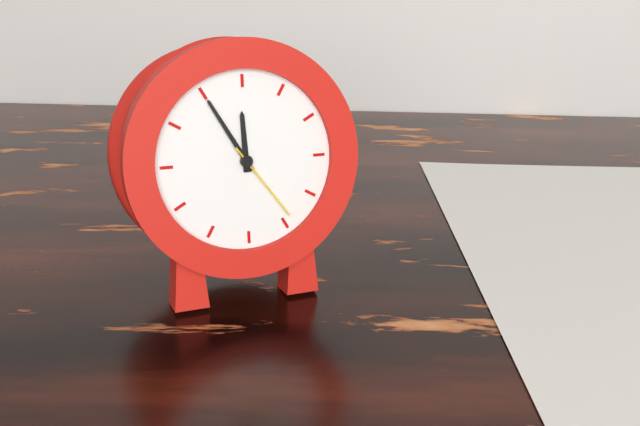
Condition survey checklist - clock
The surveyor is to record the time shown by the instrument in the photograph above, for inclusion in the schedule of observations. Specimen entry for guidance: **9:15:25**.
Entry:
**11:55:24**
